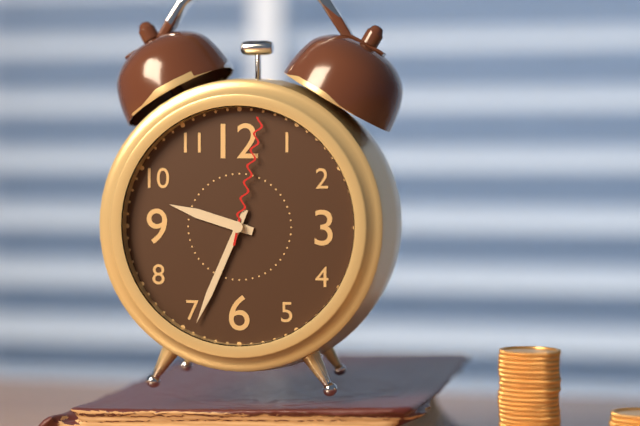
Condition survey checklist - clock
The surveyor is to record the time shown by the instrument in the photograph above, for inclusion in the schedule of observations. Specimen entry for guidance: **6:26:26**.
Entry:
**9:34:02**
